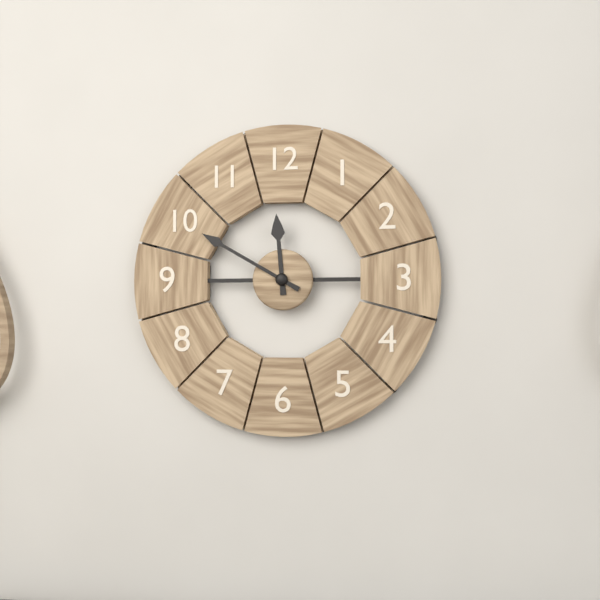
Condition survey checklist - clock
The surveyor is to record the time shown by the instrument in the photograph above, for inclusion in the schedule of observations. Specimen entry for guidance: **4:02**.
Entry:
**11:50**
